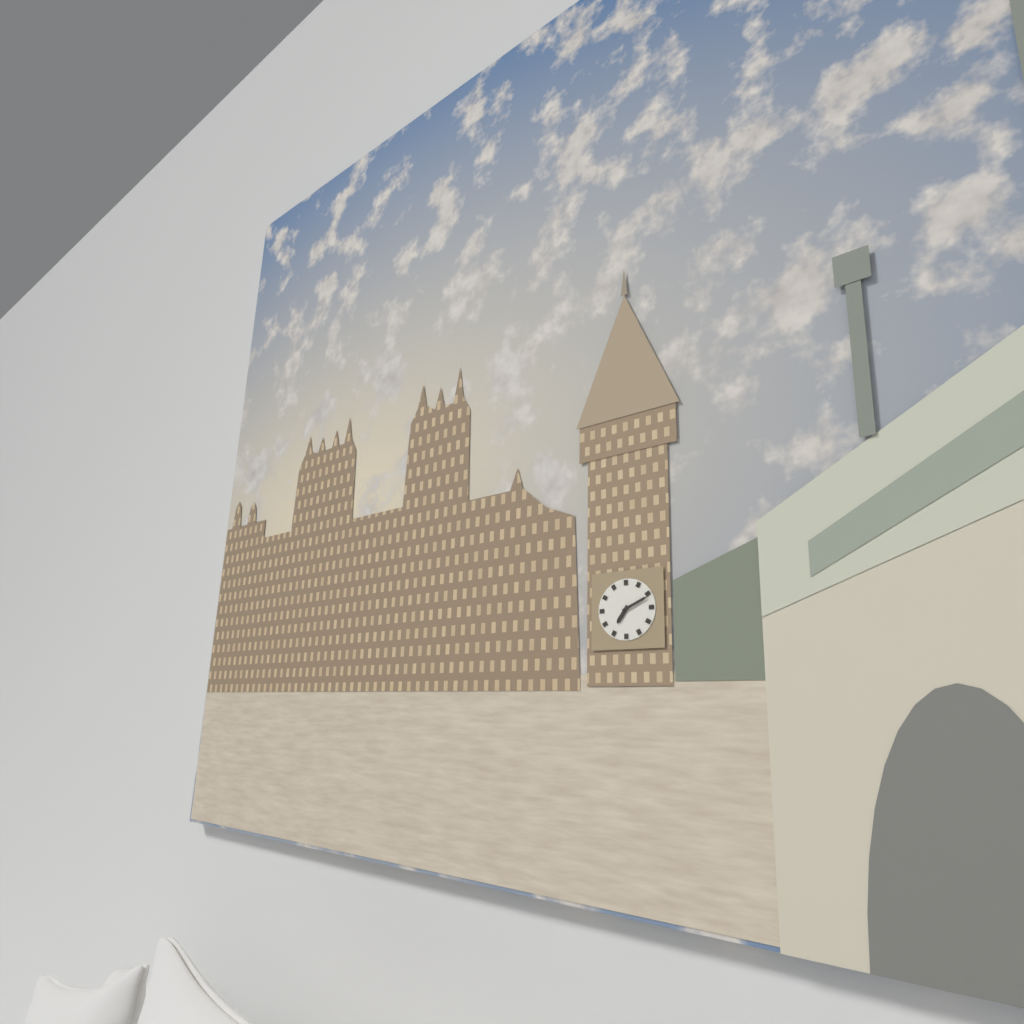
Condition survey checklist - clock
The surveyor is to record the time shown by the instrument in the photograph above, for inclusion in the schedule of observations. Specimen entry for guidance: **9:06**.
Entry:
**7:11**
